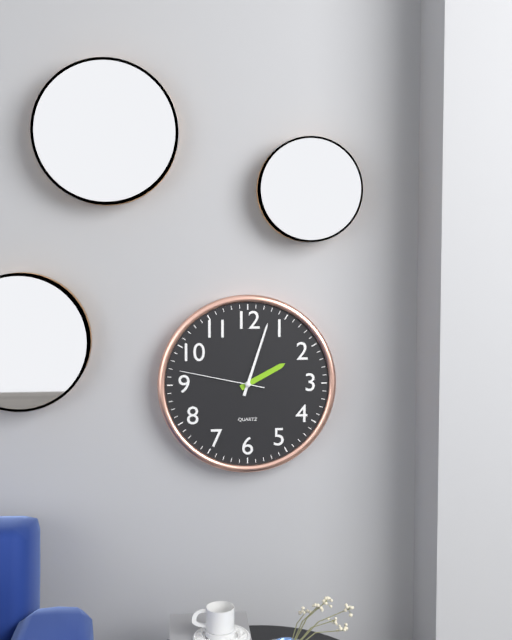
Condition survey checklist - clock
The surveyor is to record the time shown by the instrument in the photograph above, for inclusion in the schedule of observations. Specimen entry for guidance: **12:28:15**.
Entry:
**2:03:47**
